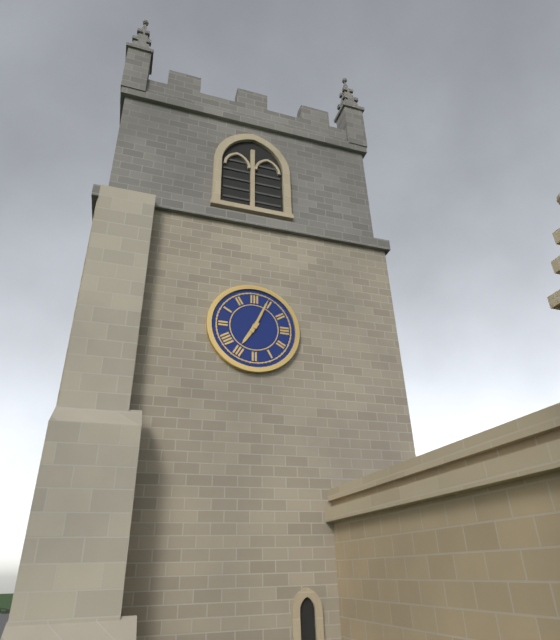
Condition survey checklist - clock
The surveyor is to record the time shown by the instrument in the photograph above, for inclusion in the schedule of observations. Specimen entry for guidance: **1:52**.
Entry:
**7:04**
